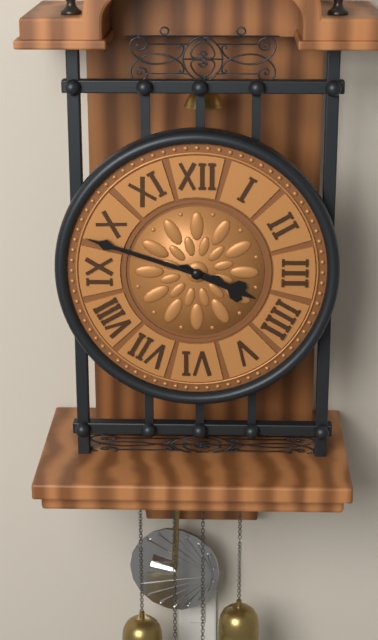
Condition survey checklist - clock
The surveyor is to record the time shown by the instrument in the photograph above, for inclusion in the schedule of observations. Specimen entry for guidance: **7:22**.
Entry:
**3:48**
